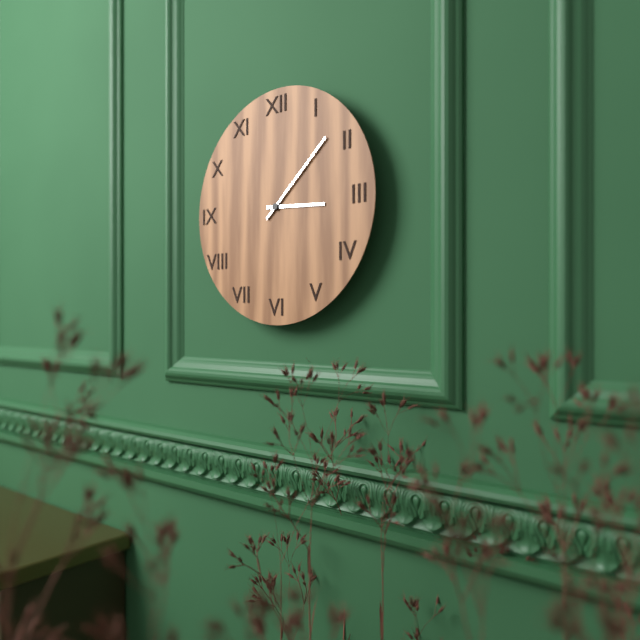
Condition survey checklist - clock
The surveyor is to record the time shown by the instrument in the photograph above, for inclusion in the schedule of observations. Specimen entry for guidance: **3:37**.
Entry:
**3:08**
